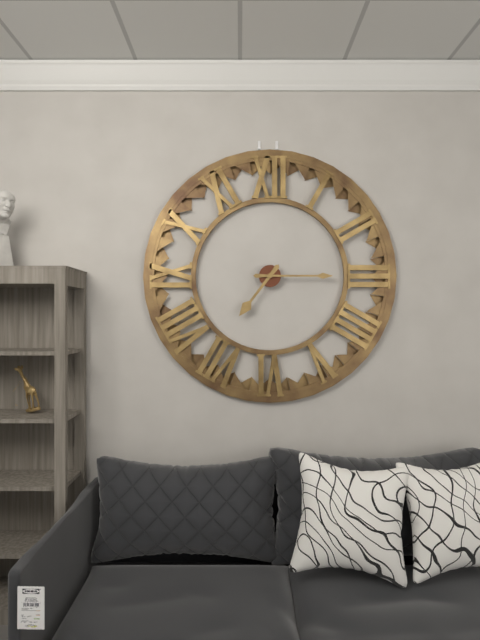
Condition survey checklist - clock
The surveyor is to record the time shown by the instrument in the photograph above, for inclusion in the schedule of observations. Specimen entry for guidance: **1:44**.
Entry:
**7:15**
